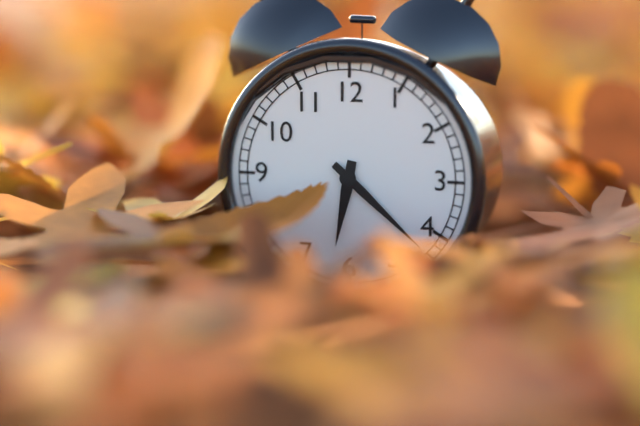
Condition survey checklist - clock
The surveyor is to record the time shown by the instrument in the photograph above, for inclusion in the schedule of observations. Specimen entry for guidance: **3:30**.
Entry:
**6:22**
